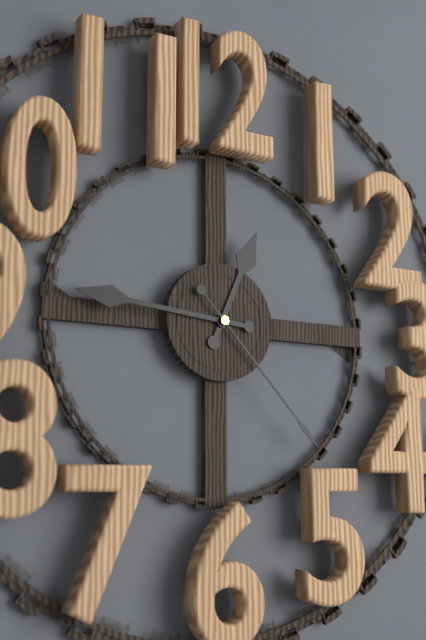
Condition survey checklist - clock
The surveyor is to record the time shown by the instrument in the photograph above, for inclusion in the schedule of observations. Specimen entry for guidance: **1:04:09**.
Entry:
**12:46:23**
